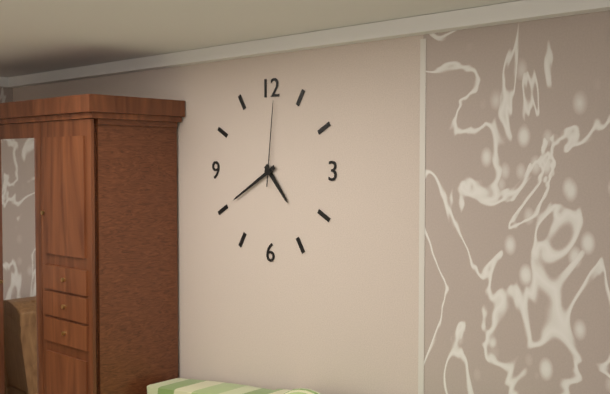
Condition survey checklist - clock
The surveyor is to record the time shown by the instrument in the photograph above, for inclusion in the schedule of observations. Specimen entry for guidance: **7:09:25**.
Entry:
**4:40:01**
